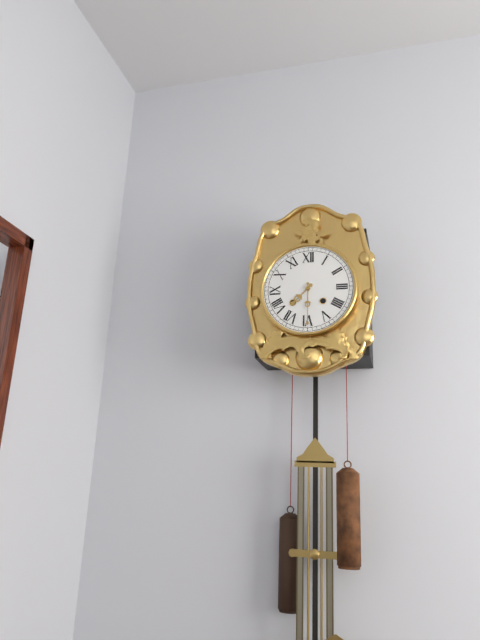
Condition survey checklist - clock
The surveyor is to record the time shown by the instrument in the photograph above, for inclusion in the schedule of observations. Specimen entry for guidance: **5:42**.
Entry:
**7:30**
